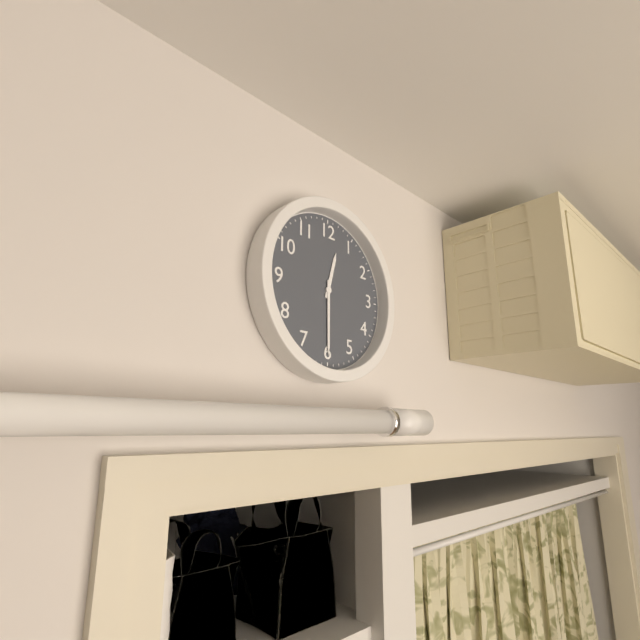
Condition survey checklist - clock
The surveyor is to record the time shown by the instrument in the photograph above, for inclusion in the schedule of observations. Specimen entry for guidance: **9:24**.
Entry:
**12:30**
